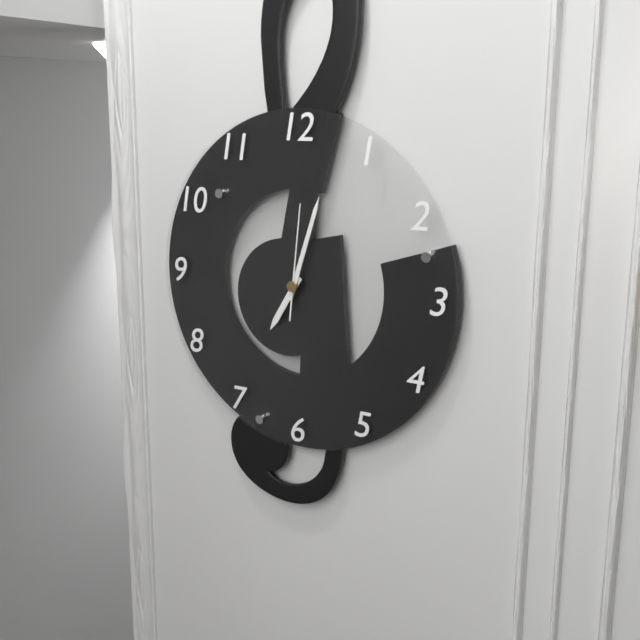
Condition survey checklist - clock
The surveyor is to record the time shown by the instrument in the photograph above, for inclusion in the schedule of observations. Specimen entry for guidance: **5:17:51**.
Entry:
**7:03:01**
